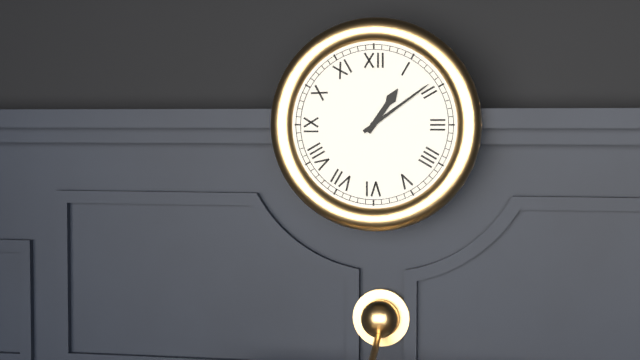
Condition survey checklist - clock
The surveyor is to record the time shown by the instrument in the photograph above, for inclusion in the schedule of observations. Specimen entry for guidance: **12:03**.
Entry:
**1:09**
